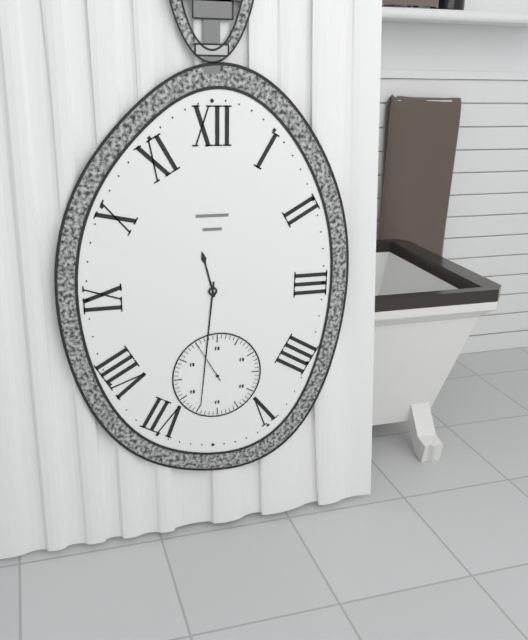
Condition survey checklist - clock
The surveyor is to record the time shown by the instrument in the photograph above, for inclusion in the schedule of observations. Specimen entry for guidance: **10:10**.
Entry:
**11:31**
